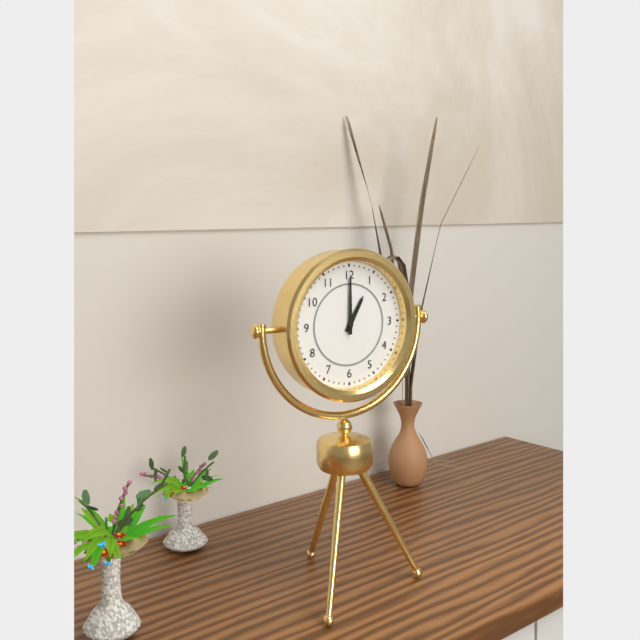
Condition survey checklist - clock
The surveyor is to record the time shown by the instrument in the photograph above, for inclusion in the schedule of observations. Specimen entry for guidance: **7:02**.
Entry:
**1:00**
